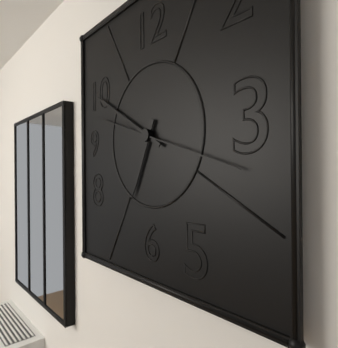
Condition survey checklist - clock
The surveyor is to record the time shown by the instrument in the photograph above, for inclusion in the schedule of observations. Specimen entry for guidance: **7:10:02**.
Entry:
**6:50:18**
